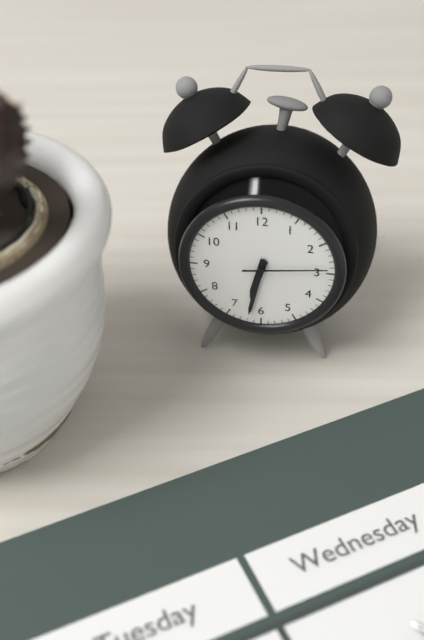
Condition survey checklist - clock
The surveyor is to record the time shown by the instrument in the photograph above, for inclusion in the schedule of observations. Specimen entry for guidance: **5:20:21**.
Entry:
**6:32:14**
